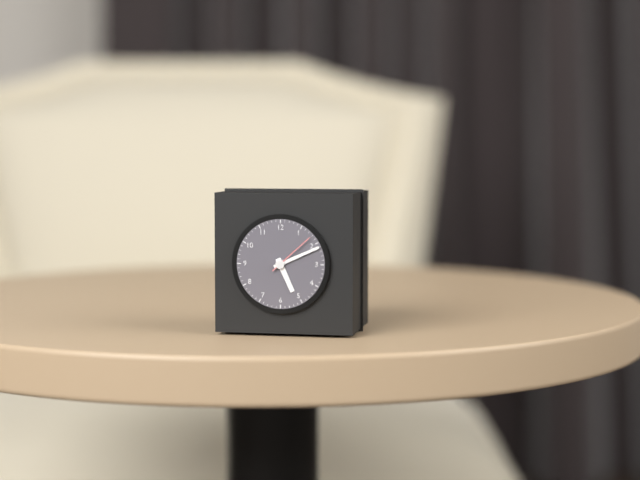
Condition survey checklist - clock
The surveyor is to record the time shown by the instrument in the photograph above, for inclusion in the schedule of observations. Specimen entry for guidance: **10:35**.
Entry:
**5:11**
